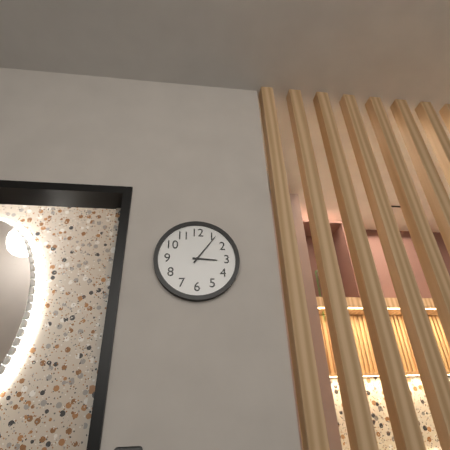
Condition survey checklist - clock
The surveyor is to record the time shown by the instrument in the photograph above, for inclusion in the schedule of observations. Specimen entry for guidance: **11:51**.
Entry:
**3:06**
